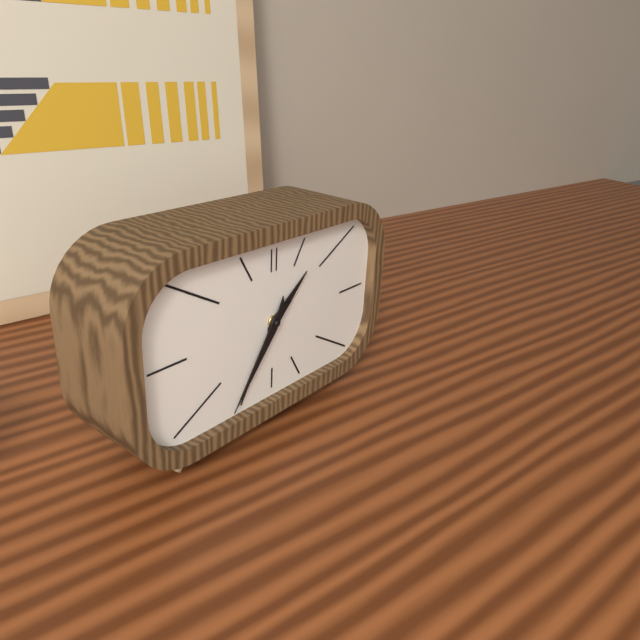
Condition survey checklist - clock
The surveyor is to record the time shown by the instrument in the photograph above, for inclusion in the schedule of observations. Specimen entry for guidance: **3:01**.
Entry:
**1:36**
